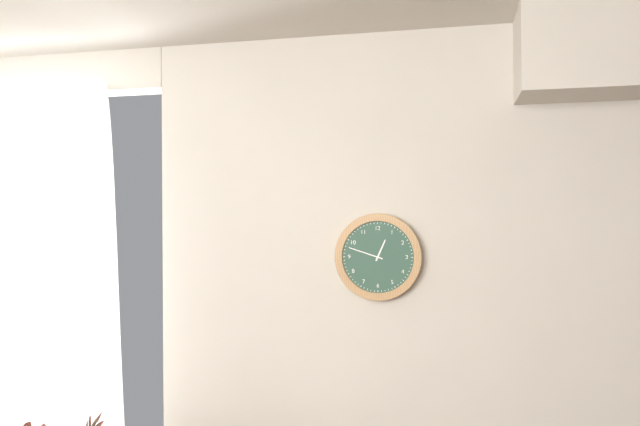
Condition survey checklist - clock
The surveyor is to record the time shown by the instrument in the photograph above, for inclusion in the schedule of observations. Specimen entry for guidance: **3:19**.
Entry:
**12:48**
